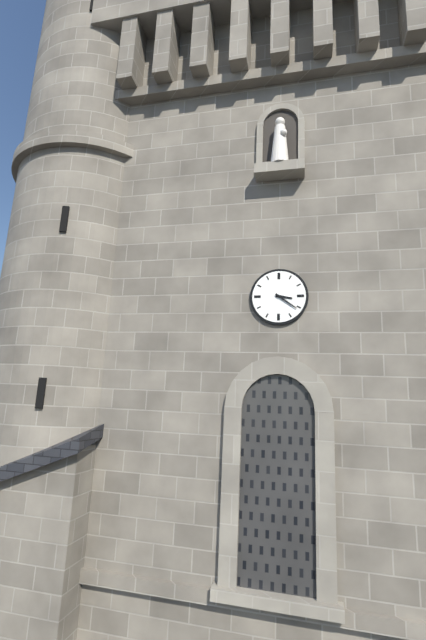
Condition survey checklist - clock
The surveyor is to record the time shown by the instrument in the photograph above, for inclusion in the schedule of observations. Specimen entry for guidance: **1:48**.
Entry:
**3:21**
